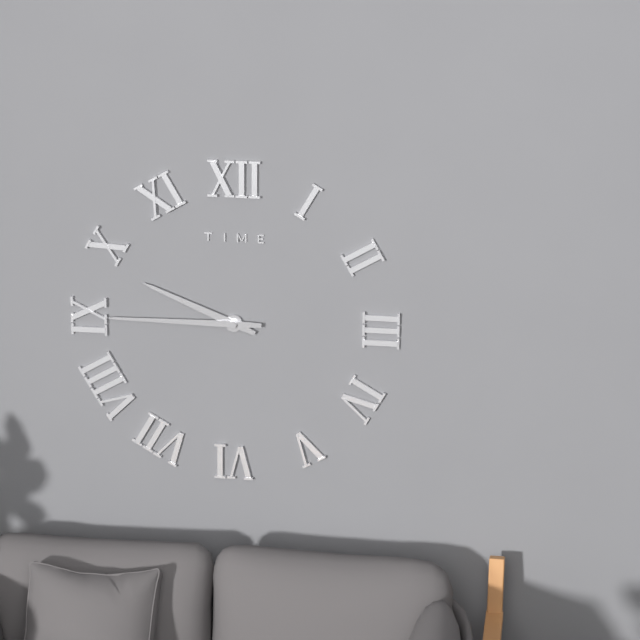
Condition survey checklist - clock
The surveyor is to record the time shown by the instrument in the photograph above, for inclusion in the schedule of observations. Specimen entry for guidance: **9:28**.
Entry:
**9:45**
